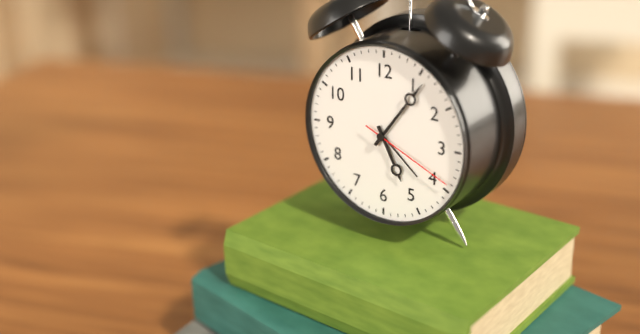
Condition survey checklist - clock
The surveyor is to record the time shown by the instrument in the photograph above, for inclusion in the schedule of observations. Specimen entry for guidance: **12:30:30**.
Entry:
**5:06:19**
